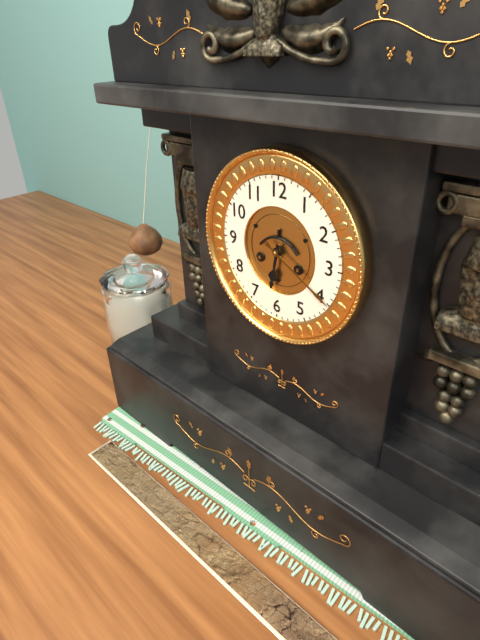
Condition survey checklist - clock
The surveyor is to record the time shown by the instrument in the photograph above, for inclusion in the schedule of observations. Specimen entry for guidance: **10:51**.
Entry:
**6:20**
